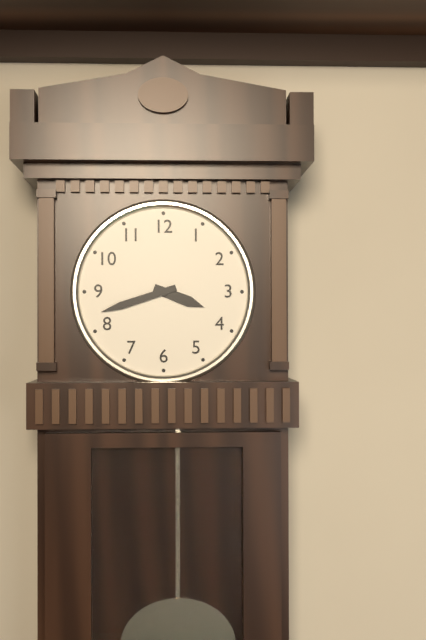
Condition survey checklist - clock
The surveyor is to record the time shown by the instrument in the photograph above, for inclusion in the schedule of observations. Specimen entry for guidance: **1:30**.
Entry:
**3:42**
